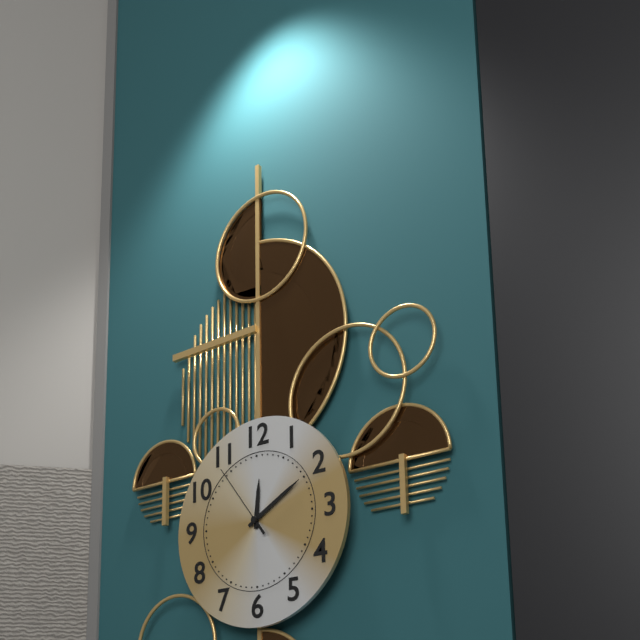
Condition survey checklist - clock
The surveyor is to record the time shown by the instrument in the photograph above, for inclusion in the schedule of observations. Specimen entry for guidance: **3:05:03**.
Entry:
**12:10:54**
